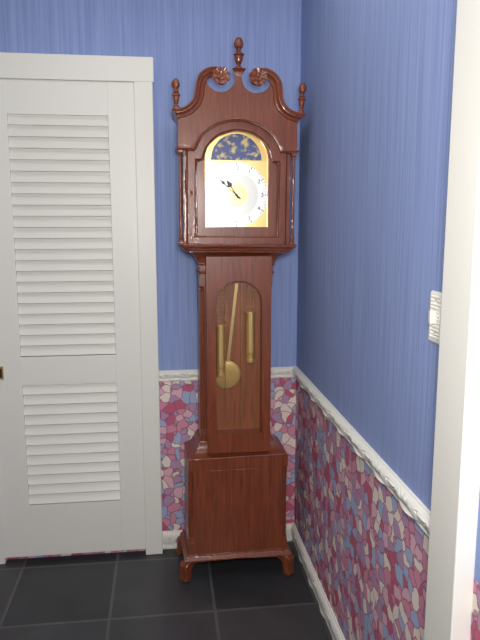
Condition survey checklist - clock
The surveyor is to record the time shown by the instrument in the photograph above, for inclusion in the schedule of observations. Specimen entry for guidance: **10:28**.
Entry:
**10:52**
